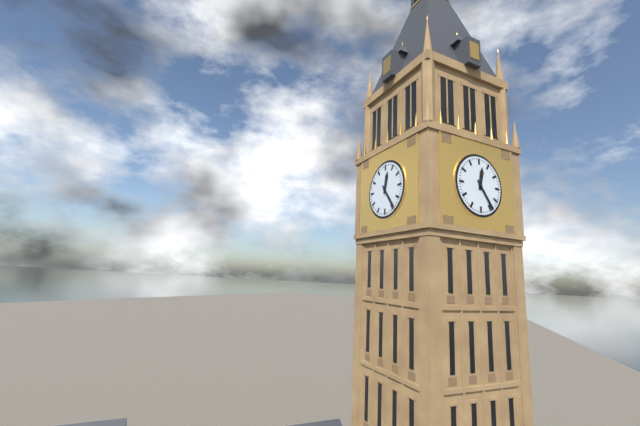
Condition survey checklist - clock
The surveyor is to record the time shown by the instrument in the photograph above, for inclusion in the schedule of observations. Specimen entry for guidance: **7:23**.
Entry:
**12:24**
